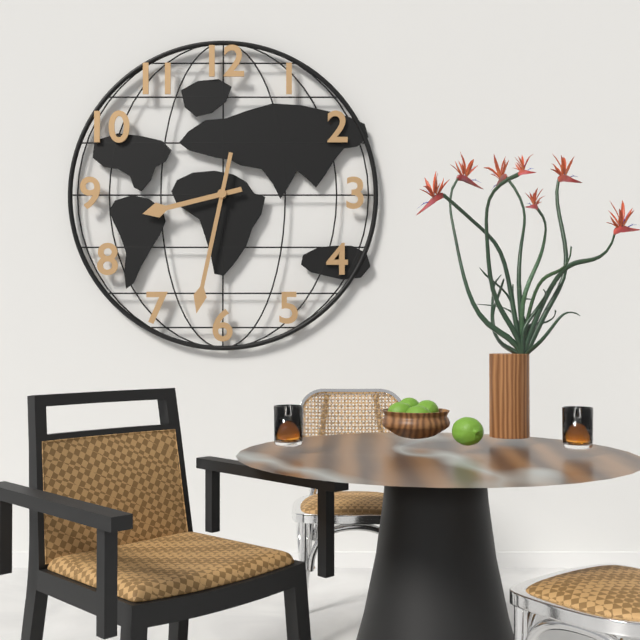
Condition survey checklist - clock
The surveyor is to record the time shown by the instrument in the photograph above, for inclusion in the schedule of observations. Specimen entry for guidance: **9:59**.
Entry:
**8:32**
